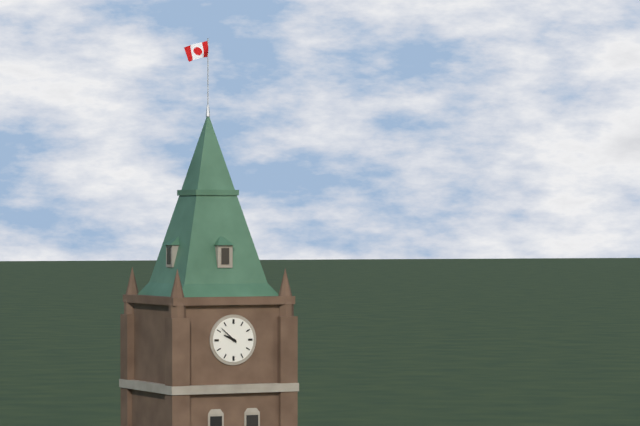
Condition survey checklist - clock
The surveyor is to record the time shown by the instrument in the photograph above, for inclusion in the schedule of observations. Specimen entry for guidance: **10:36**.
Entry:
**9:52**
